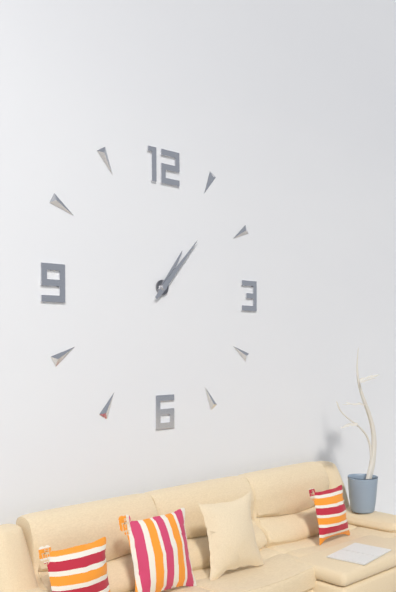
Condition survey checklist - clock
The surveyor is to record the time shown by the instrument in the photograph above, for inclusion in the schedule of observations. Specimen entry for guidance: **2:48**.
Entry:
**1:07**
